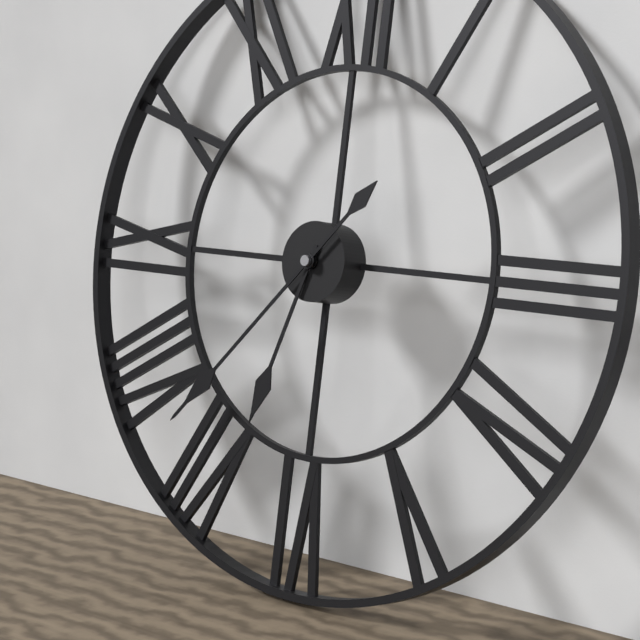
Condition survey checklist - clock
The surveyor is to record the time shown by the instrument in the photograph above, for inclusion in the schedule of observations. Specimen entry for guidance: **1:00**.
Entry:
**6:37**
